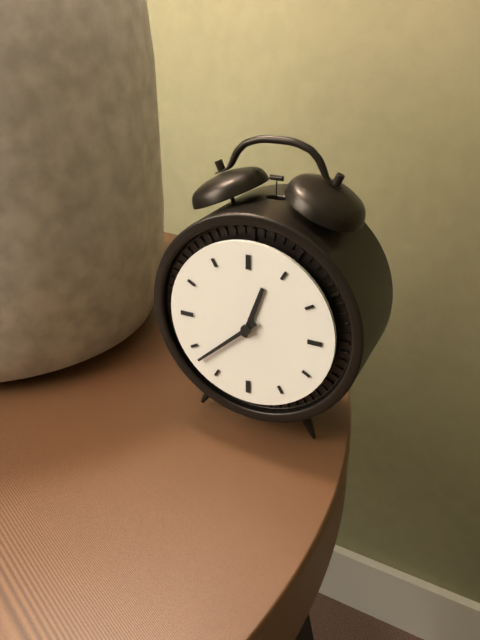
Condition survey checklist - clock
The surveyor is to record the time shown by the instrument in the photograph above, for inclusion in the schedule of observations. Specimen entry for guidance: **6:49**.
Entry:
**12:38**
